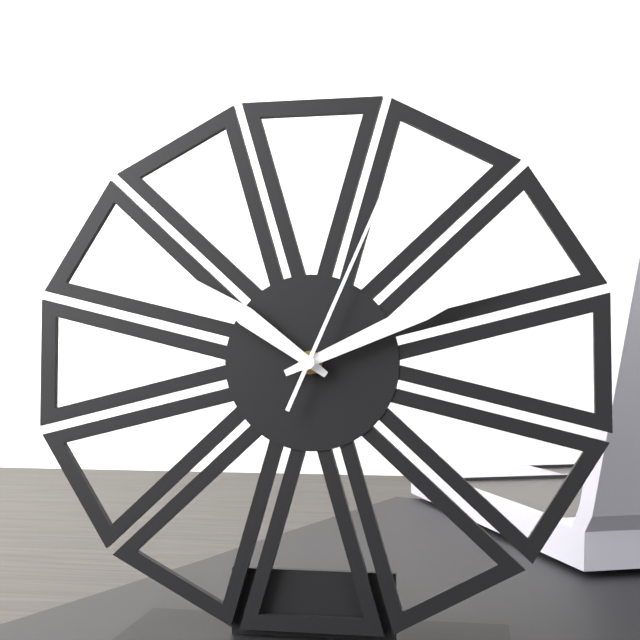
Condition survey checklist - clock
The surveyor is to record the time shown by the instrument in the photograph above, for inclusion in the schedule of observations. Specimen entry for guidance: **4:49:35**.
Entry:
**10:11:04**
